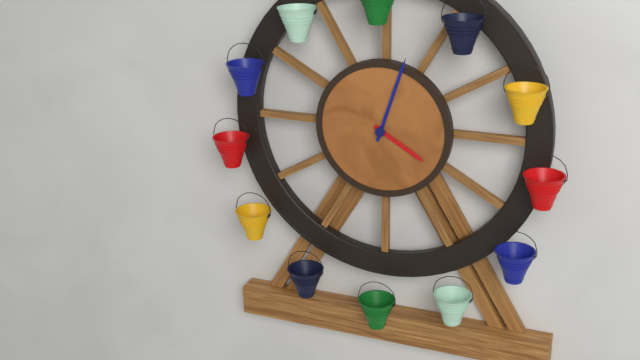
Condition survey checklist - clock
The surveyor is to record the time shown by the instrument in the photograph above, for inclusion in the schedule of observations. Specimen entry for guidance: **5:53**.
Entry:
**4:03**
